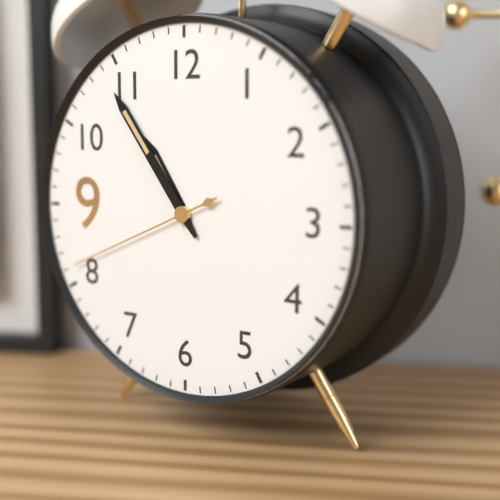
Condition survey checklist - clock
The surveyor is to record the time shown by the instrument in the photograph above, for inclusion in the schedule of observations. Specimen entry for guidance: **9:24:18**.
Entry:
**10:54:41**
